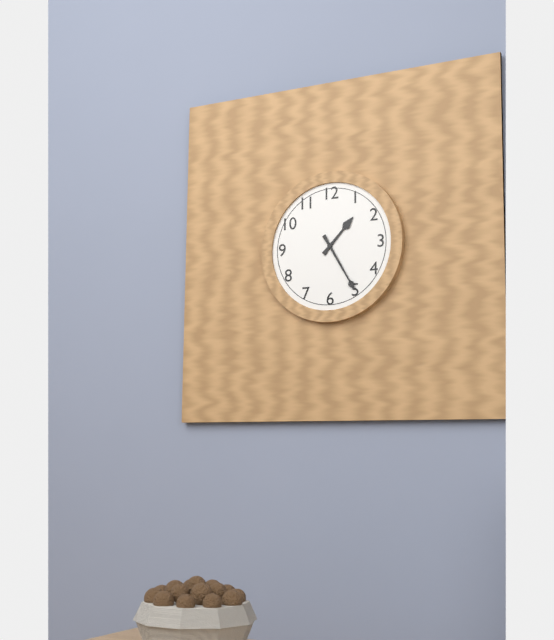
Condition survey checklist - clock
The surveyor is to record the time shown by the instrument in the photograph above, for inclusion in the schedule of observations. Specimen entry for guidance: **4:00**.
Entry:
**1:25**
